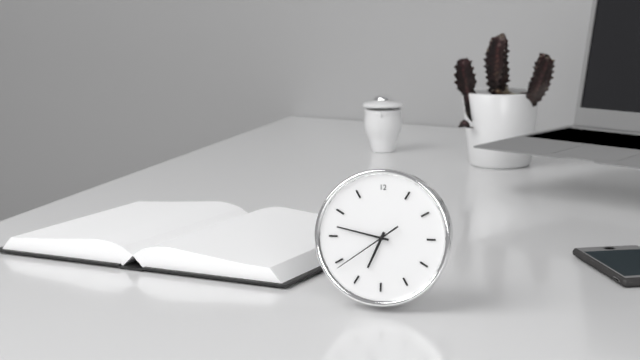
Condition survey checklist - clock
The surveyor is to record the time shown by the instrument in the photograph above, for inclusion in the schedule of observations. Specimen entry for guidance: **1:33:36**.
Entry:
**6:47:39**
